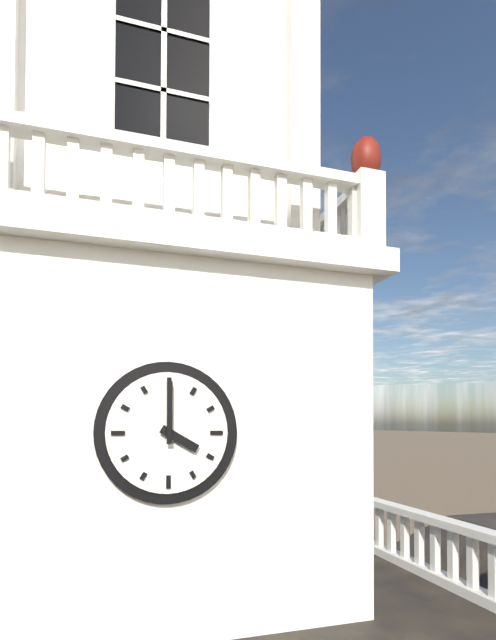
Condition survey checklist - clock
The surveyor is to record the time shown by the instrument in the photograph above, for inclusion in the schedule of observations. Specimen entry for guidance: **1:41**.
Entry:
**4:00**
